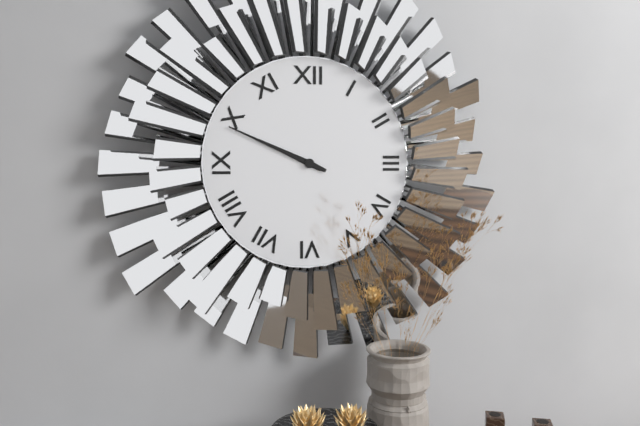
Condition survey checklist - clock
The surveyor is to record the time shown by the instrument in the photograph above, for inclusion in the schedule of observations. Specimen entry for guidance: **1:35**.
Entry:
**9:49**
